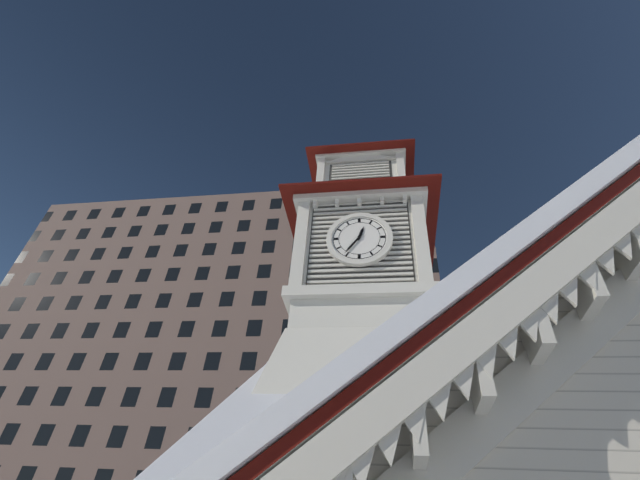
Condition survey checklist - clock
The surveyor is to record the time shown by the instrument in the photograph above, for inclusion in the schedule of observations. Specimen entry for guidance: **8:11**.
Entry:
**12:36**
